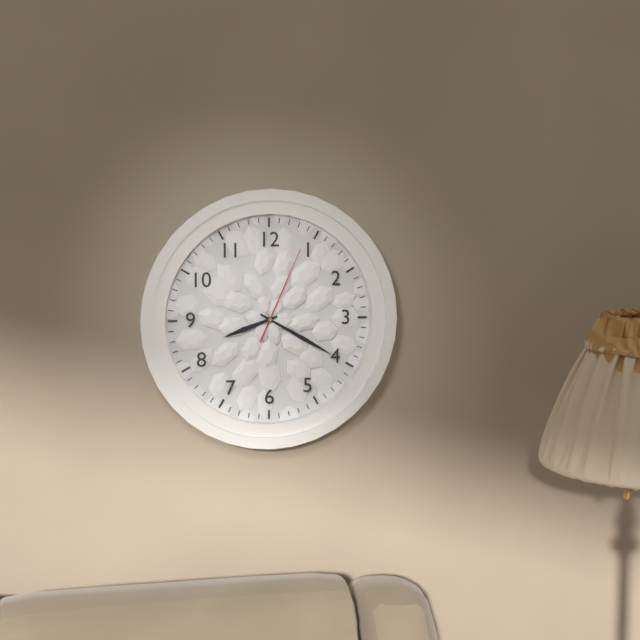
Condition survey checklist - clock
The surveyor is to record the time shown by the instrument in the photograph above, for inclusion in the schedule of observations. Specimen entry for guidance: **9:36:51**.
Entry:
**8:20:04**
